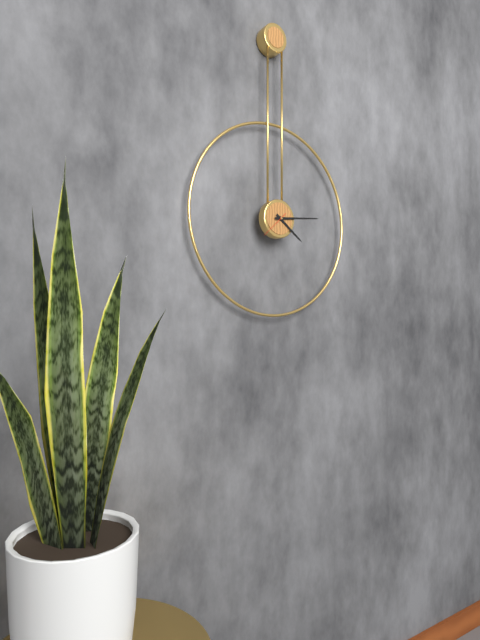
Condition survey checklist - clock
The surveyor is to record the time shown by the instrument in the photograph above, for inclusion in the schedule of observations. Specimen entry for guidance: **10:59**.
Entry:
**4:14**
